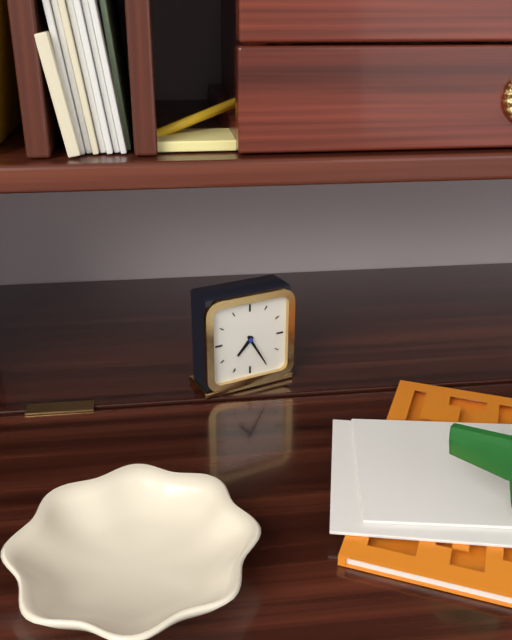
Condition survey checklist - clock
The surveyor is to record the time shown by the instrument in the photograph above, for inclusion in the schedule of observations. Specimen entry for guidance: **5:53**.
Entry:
**7:25**
